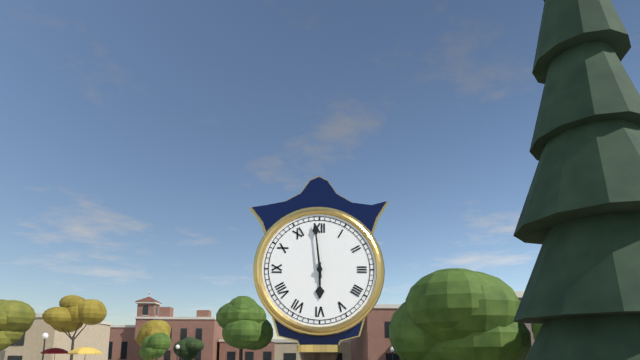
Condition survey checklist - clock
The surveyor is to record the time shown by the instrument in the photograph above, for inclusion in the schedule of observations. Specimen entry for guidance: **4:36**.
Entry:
**5:59**
